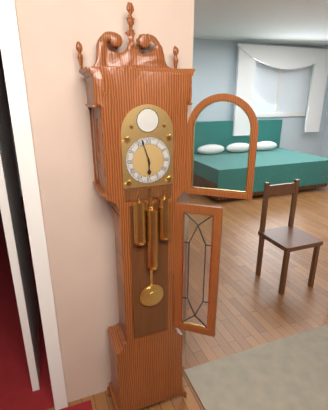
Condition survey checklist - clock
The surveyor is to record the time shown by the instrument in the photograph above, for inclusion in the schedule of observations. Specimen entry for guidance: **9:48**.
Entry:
**5:57**
